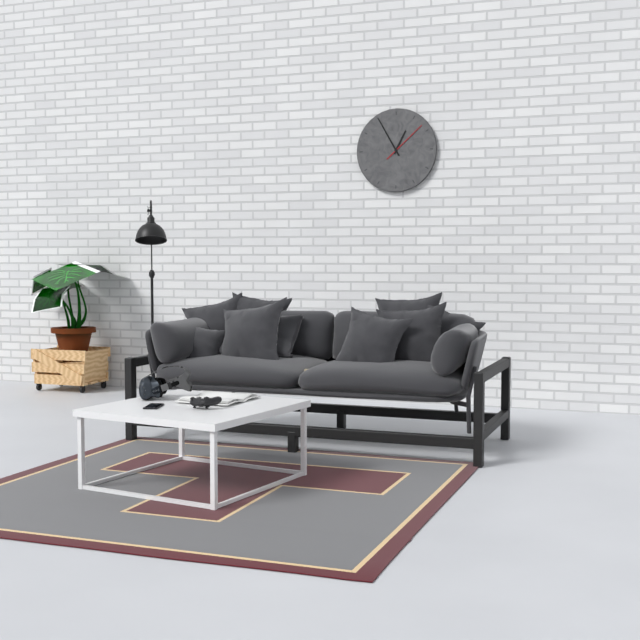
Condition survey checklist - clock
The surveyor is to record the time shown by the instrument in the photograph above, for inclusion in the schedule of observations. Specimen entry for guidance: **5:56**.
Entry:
**12:55**
